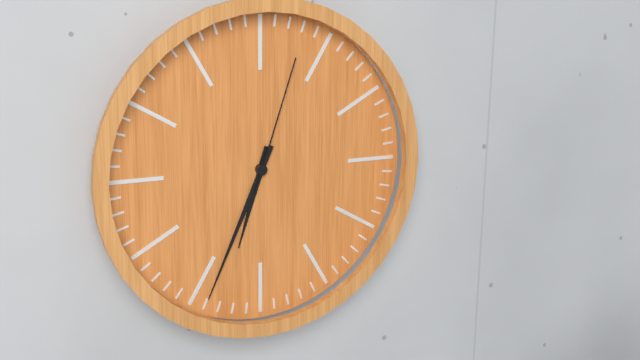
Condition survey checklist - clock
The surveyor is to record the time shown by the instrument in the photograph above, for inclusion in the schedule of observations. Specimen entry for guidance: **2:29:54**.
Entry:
**6:34:03**
